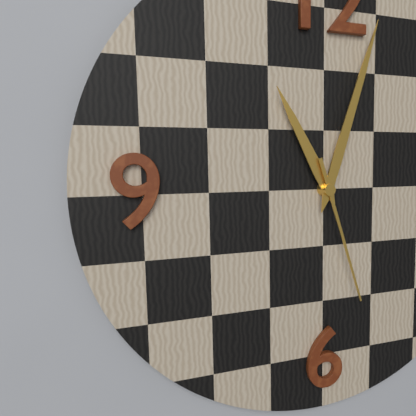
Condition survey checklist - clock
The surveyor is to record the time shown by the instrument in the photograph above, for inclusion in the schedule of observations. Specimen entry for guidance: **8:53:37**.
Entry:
**11:03:27**
